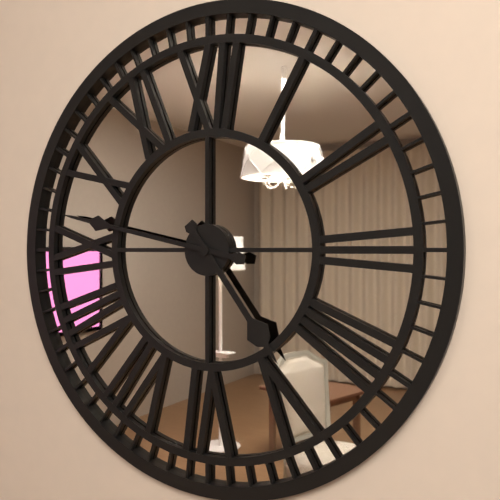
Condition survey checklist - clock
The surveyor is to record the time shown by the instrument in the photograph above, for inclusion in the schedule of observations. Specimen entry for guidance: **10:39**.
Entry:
**4:47**
